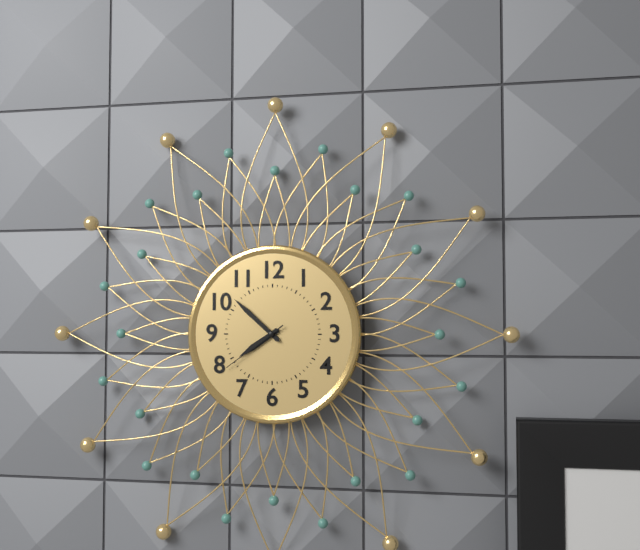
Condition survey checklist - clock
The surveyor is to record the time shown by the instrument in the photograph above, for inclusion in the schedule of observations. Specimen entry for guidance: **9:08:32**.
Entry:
**7:52:39**
